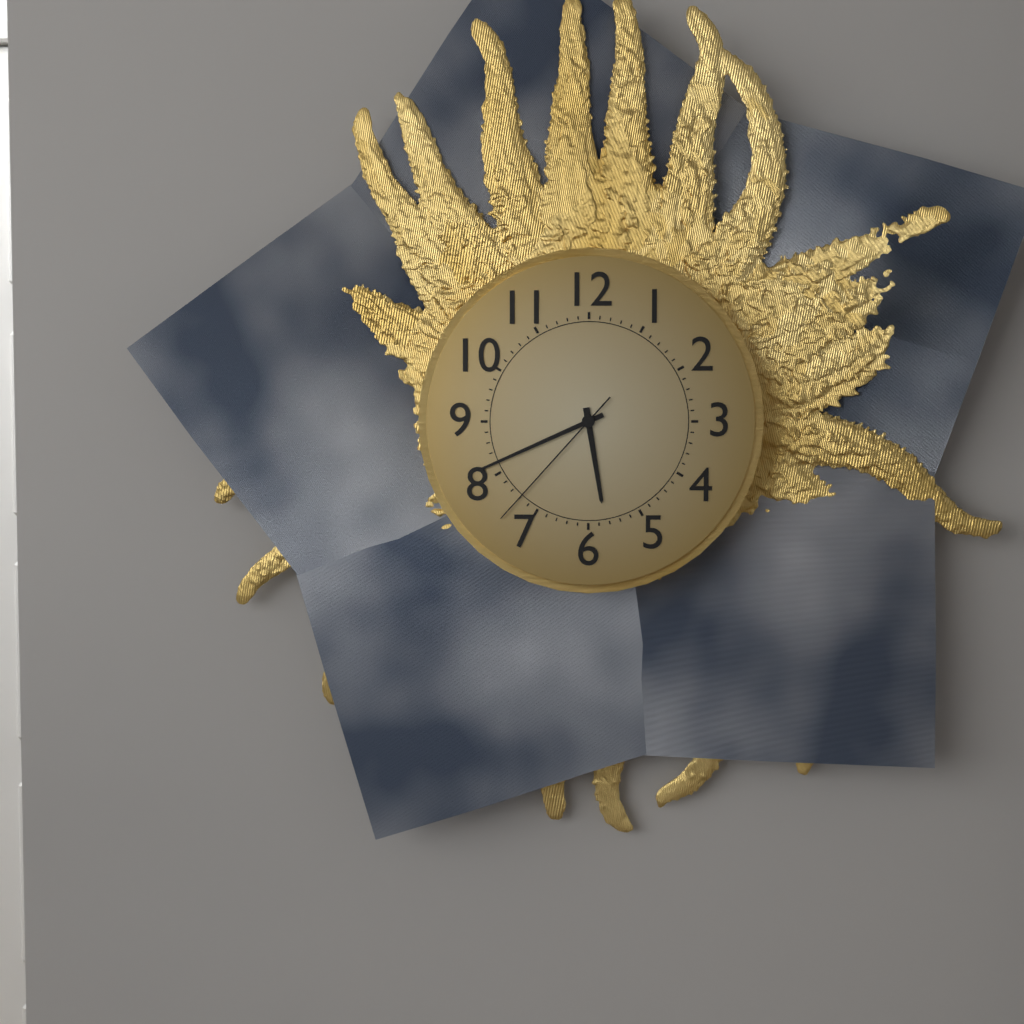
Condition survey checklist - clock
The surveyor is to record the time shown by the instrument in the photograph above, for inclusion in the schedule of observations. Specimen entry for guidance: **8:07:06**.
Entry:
**5:41:37**
